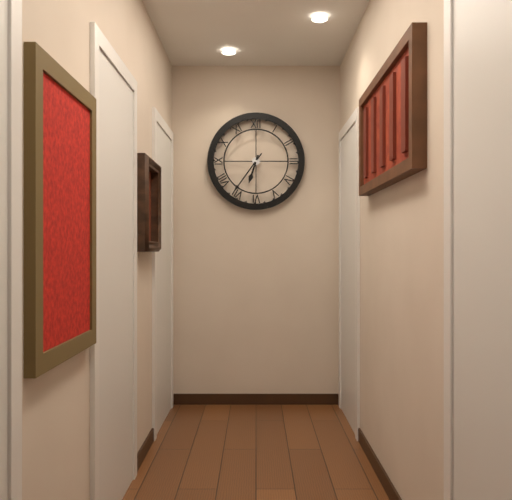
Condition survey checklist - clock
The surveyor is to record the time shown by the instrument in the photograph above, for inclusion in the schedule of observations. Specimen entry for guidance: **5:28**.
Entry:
**6:36**
